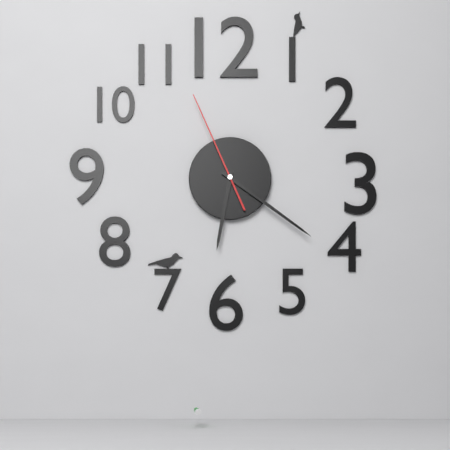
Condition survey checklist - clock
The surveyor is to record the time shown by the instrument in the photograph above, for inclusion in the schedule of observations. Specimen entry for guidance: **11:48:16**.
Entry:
**6:21:56**
